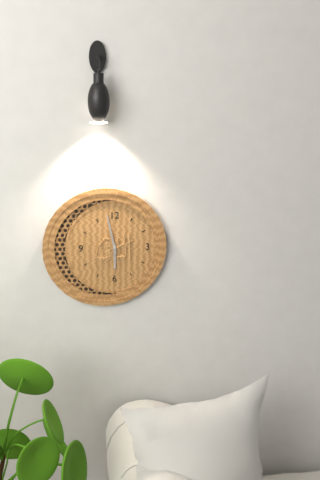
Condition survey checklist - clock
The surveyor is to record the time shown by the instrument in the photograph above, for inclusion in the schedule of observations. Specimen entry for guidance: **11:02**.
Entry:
**5:58**
